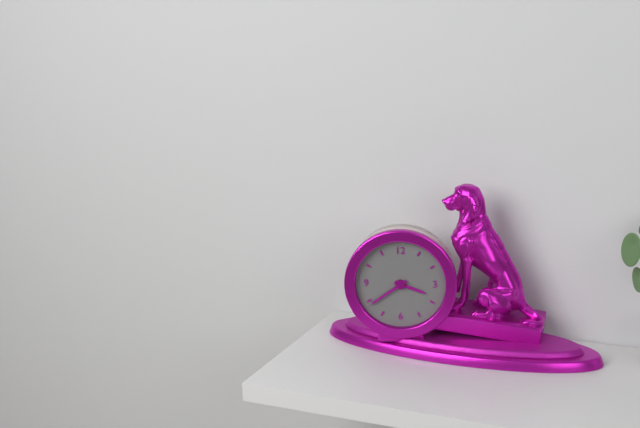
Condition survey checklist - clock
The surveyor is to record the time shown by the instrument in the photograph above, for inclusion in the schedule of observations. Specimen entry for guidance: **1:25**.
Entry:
**3:39**
